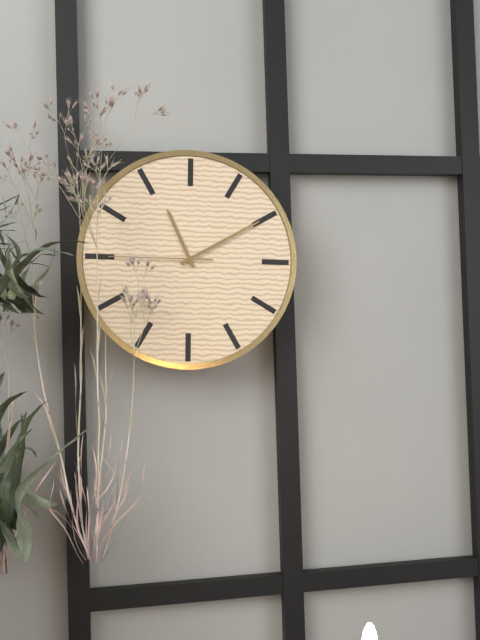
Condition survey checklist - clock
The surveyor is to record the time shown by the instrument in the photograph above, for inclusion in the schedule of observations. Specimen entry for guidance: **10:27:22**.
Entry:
**11:10:45**
